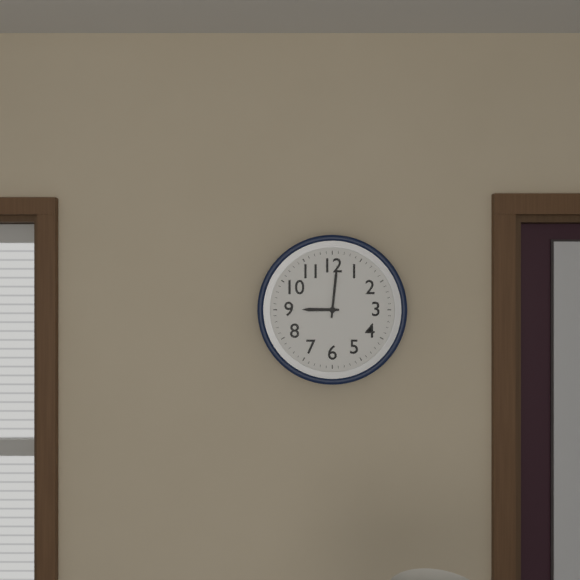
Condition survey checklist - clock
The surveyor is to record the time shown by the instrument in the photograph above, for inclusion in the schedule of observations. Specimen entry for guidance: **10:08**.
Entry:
**9:01**
